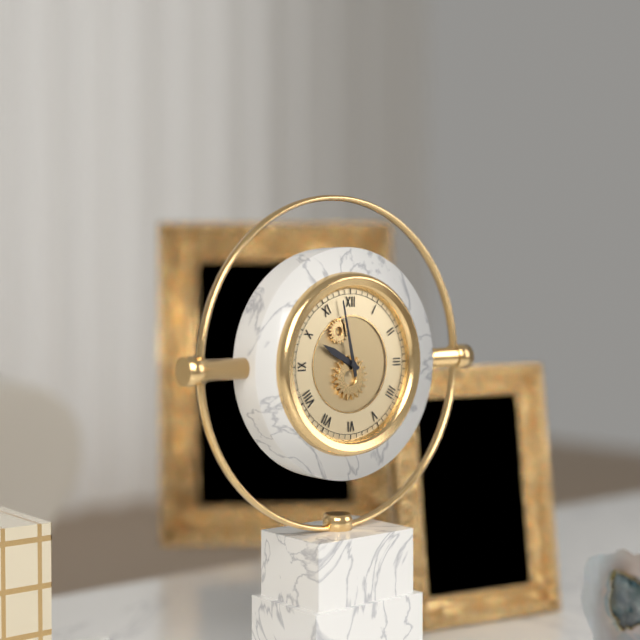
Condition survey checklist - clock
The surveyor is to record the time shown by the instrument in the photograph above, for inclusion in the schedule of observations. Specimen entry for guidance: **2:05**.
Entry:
**9:58**
